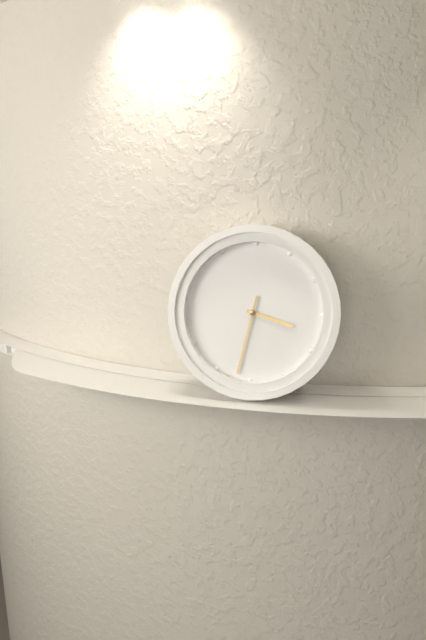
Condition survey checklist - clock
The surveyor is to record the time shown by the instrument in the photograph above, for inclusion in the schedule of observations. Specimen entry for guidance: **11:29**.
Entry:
**3:32**
